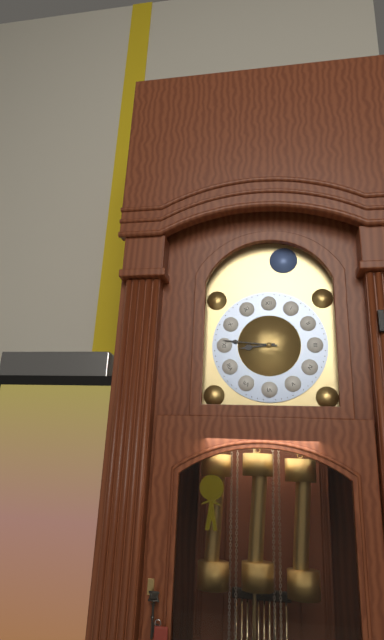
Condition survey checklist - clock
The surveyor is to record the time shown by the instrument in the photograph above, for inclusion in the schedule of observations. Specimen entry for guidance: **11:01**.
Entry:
**8:46**
